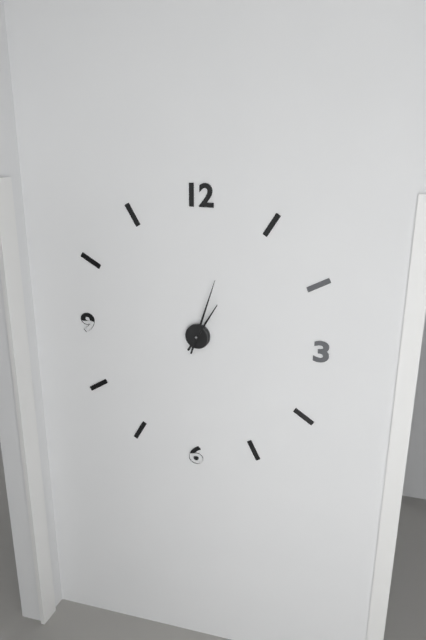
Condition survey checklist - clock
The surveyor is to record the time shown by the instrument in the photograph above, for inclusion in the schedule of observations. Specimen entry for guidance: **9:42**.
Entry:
**1:03**
